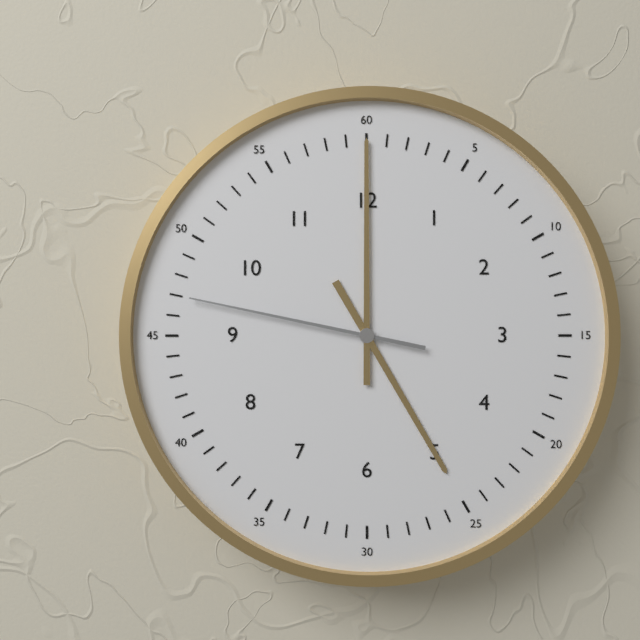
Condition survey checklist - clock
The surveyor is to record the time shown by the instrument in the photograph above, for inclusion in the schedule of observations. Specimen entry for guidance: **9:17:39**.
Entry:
**5:00:47**
